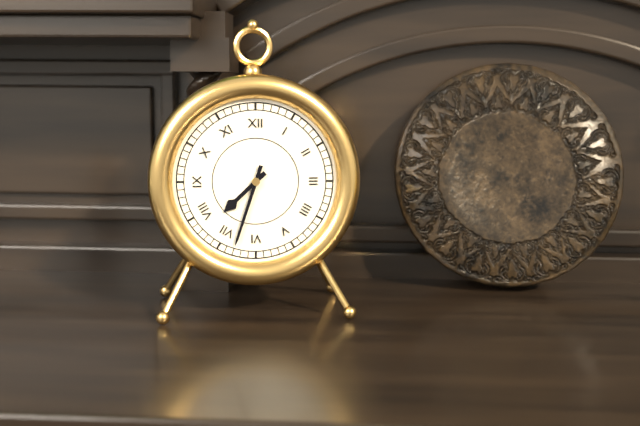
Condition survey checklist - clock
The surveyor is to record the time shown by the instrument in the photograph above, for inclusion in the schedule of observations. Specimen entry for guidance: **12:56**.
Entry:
**7:33**
